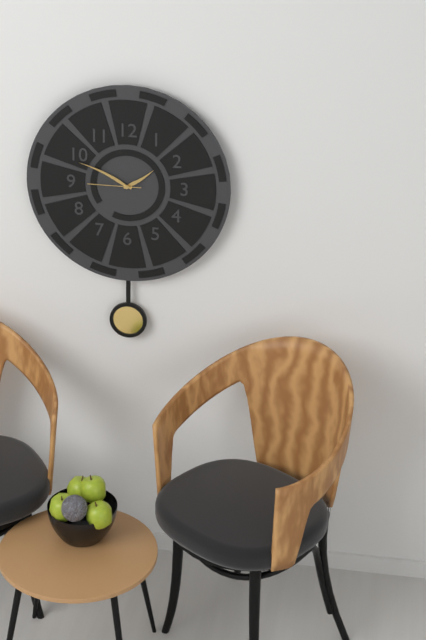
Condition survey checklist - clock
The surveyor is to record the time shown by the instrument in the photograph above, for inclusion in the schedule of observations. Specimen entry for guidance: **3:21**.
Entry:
**1:49**
